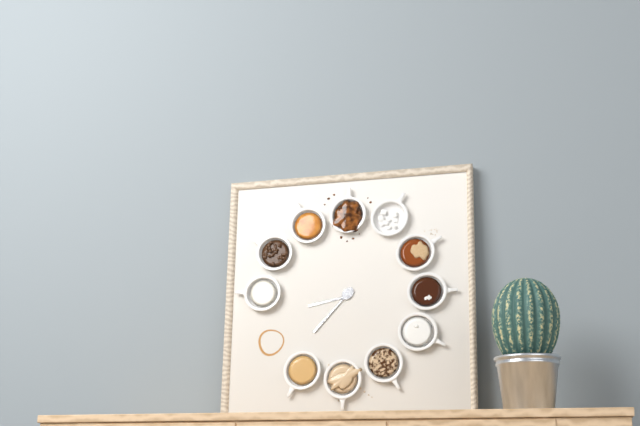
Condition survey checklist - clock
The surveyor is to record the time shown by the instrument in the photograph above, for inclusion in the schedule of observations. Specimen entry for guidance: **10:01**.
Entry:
**8:37**
